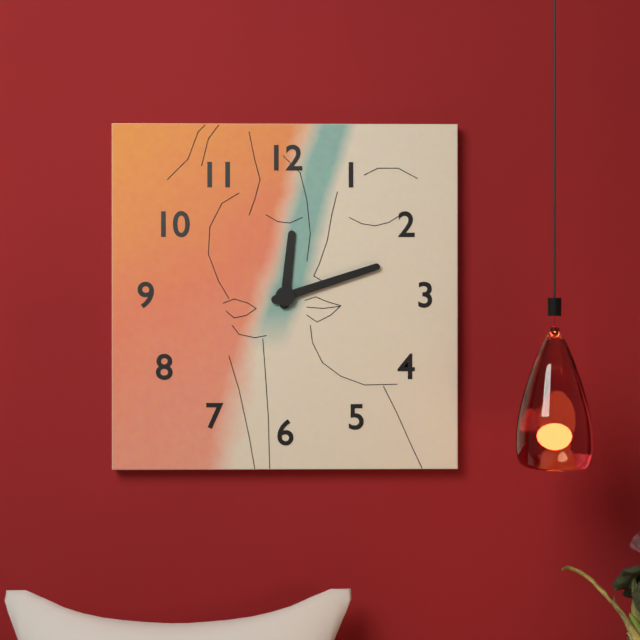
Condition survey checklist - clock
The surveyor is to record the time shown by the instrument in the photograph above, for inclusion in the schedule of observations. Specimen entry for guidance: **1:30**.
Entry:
**12:12**
